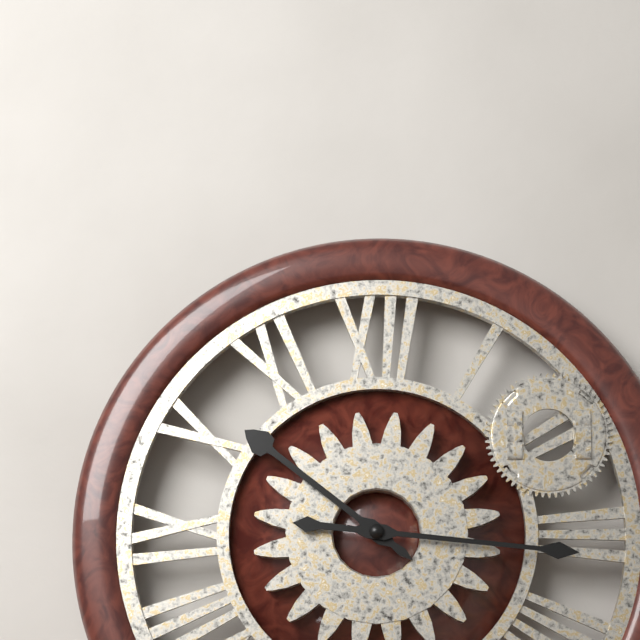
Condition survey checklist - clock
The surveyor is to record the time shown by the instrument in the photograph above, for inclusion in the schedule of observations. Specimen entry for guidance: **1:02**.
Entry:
**10:16**
